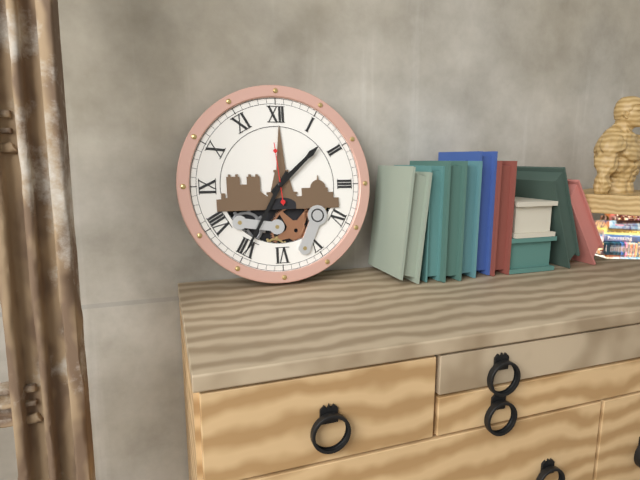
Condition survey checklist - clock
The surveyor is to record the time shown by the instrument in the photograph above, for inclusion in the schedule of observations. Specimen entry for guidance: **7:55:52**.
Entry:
**1:35:59**
